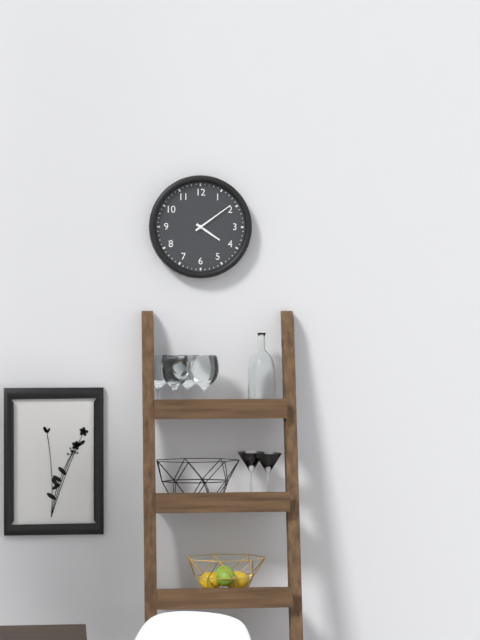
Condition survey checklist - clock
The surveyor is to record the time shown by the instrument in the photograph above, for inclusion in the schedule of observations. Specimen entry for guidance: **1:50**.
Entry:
**4:09**
